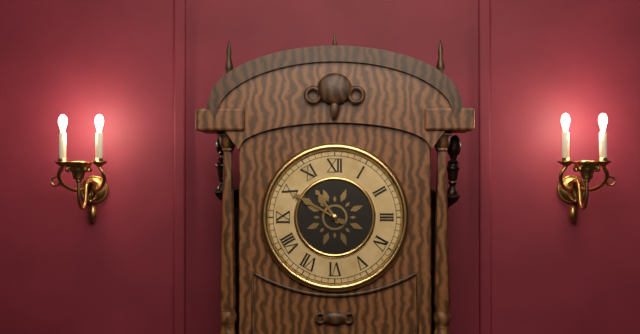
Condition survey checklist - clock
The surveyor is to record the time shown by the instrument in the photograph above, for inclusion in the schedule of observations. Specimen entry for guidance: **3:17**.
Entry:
**10:50**
